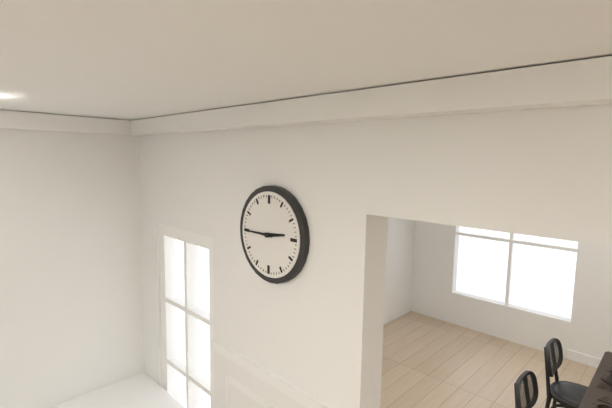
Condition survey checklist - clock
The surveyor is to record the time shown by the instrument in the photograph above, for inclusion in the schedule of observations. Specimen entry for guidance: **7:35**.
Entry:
**2:45**
